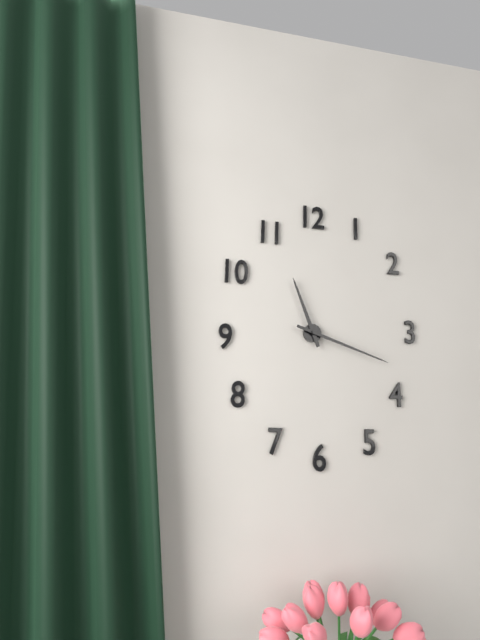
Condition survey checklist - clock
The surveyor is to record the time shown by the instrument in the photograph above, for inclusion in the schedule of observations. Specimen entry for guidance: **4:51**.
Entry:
**11:18**
